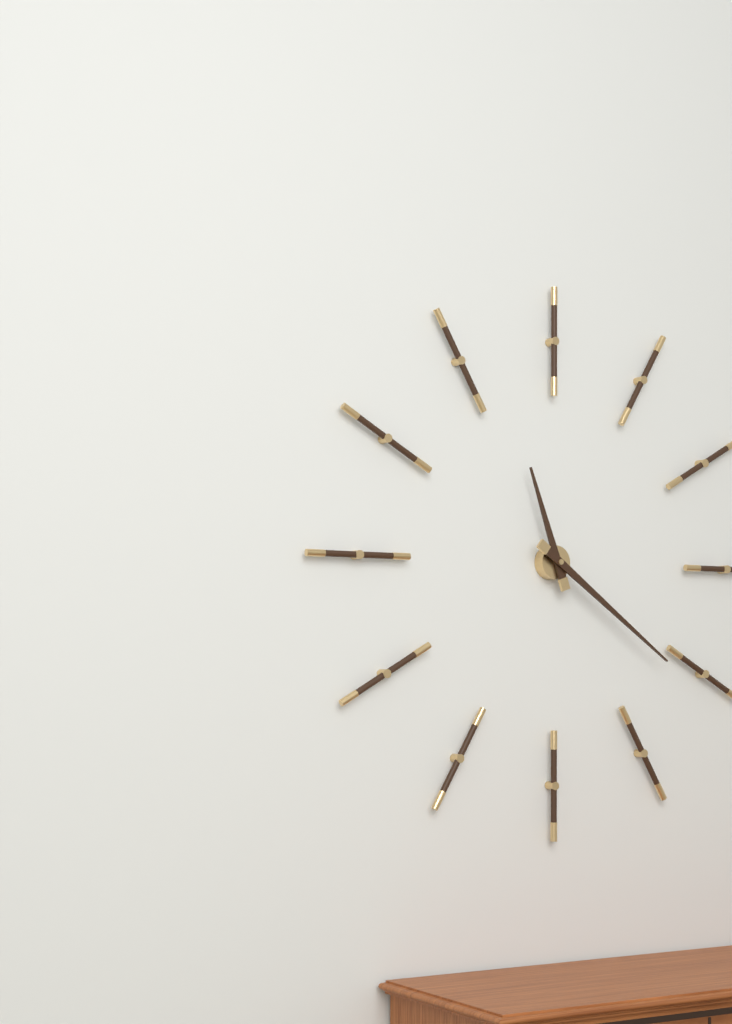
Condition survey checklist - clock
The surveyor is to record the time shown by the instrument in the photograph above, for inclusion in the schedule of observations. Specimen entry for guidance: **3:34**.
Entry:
**11:21**
